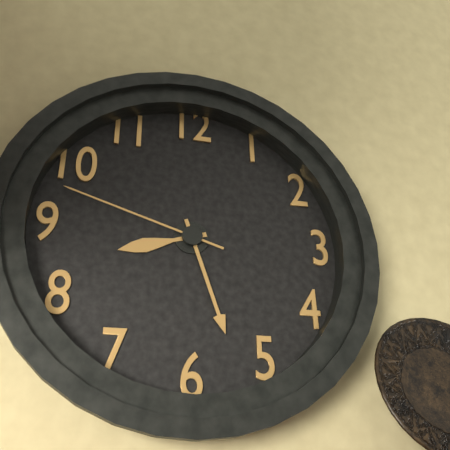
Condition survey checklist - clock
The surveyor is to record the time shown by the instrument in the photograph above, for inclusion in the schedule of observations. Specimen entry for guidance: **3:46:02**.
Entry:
**8:27:48**
